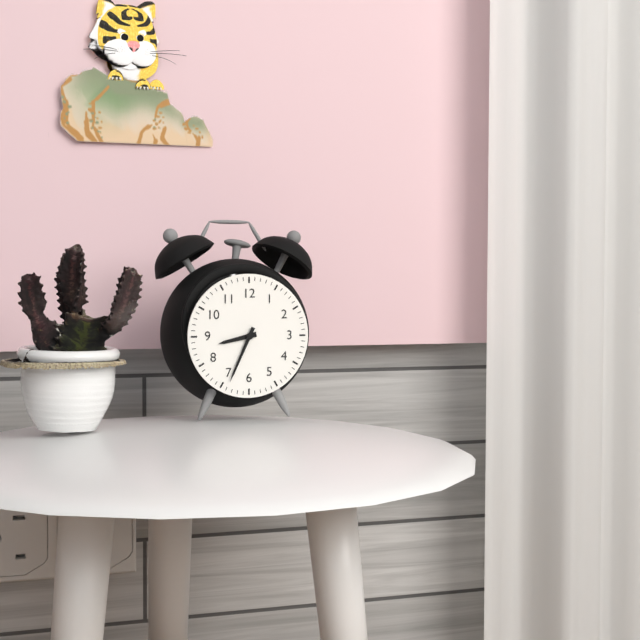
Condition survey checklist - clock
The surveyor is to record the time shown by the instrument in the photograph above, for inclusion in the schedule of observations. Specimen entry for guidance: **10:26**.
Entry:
**8:34**
